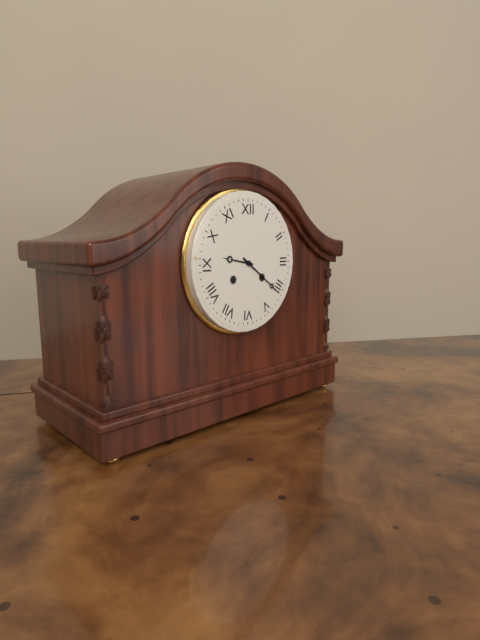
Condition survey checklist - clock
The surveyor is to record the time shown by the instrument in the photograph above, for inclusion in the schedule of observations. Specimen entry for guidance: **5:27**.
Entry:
**9:21**
